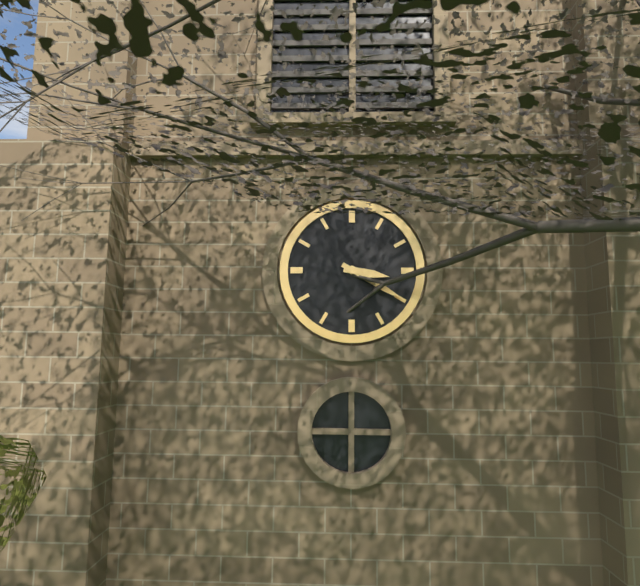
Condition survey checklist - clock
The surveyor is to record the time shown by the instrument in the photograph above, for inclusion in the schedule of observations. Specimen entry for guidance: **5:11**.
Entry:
**3:20**
